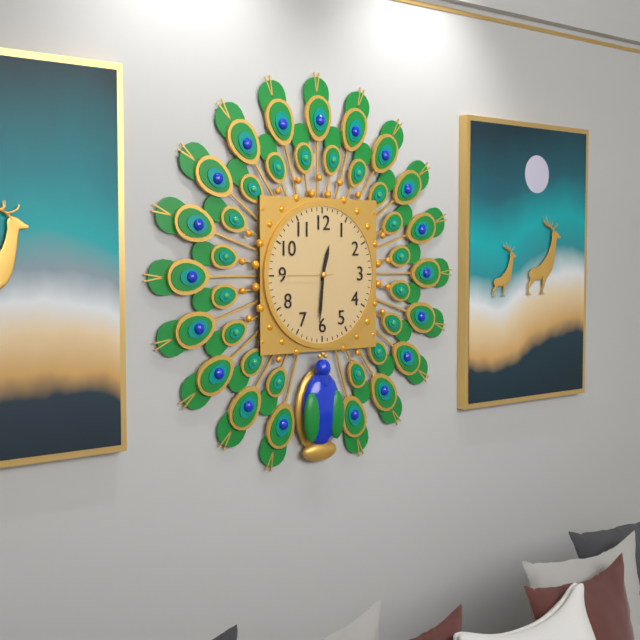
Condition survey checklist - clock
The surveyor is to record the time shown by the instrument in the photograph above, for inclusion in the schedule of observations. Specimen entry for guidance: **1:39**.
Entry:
**12:31**
